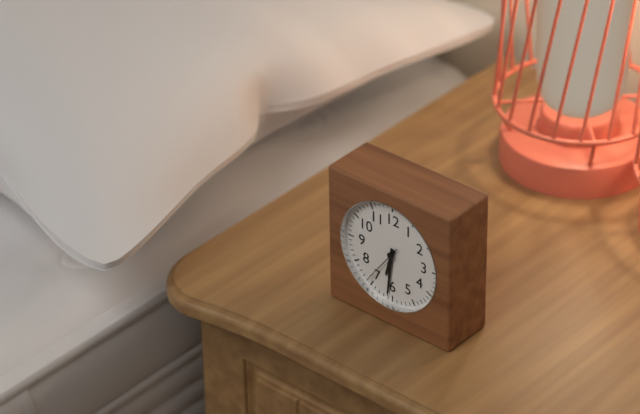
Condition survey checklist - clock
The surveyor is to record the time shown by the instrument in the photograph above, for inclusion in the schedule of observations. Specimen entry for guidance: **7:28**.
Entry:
**6:31**
